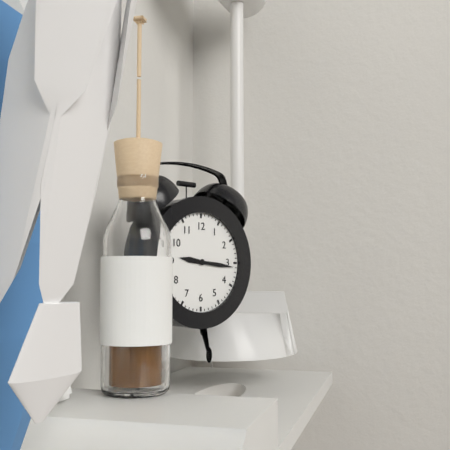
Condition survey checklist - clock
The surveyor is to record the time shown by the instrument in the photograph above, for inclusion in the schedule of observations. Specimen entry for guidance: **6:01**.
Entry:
**9:16**
